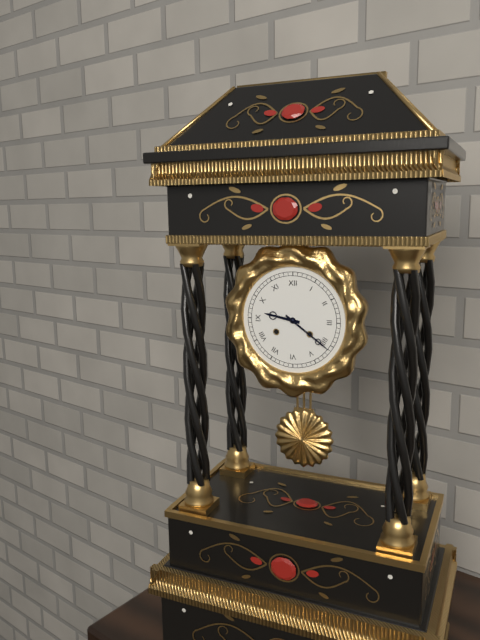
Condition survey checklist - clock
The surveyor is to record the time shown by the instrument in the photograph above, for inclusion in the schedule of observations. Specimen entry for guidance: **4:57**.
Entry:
**9:21**
